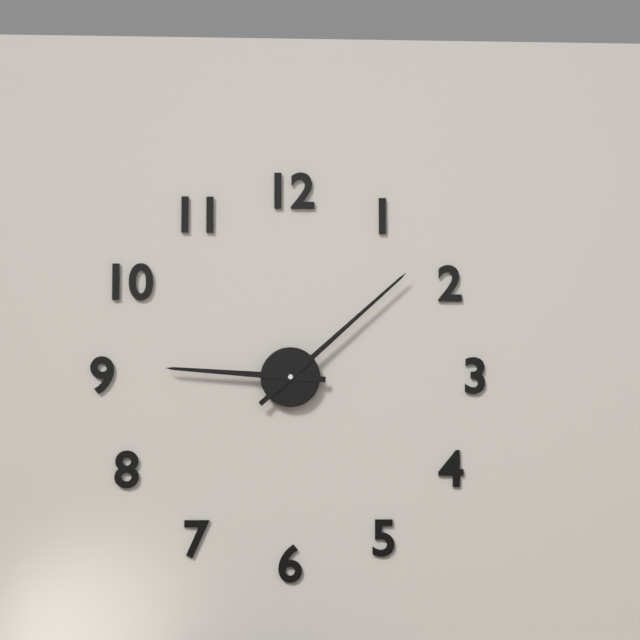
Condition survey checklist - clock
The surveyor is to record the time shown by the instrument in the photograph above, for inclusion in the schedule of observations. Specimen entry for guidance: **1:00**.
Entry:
**9:08**
